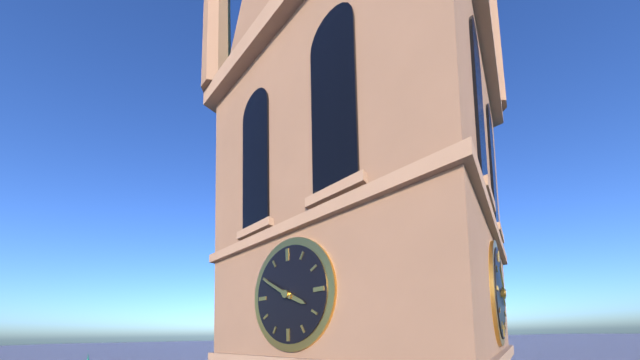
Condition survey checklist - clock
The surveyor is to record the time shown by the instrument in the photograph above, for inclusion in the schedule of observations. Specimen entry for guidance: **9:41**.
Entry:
**3:50**
